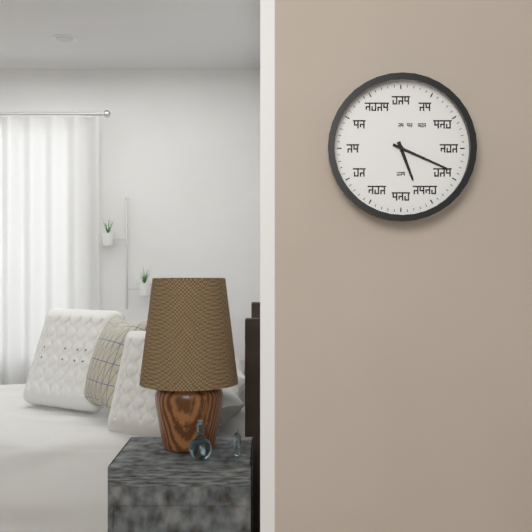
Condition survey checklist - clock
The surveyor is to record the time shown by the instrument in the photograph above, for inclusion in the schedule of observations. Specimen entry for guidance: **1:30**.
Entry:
**5:19**
